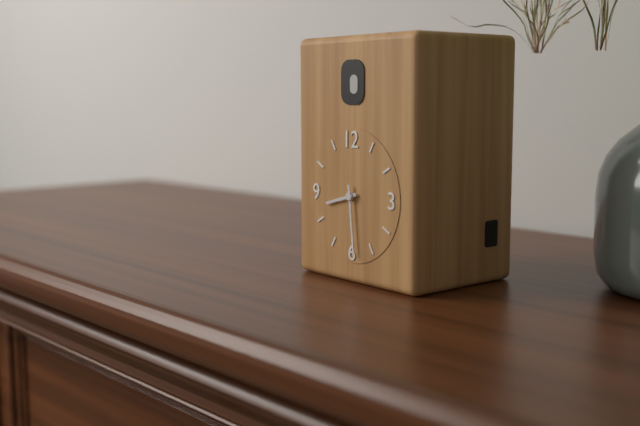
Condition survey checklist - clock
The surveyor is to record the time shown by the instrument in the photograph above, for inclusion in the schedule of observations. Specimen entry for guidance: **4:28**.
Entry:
**8:29**
